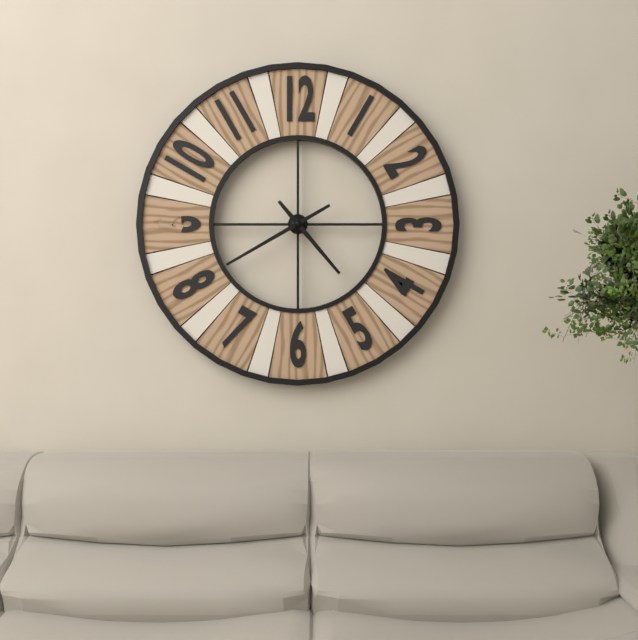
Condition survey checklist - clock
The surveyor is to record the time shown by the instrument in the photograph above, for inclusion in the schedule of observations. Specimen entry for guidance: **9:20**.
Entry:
**4:40**
